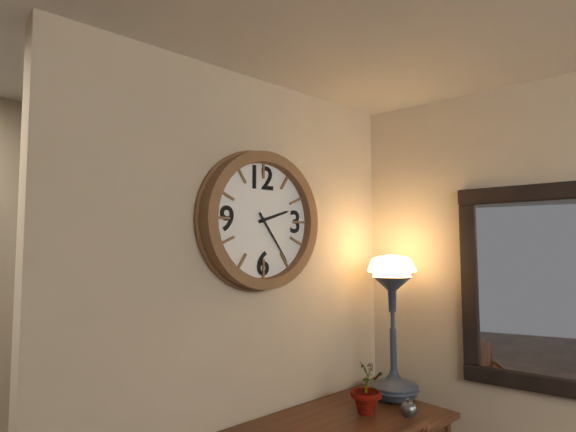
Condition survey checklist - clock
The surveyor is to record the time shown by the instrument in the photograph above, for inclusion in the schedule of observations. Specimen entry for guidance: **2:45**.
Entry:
**2:24**
